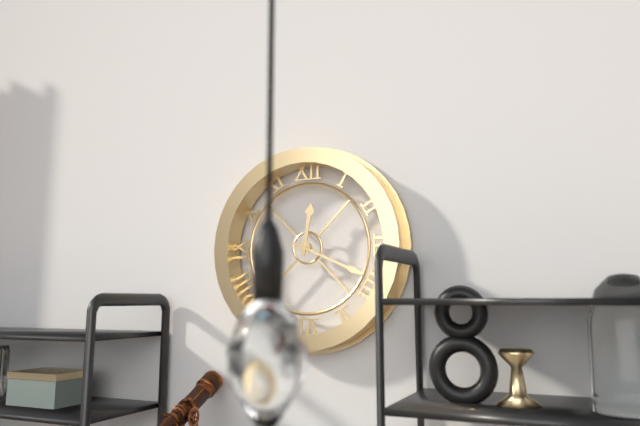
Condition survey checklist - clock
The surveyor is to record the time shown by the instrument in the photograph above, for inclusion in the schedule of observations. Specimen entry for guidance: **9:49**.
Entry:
**12:19**
